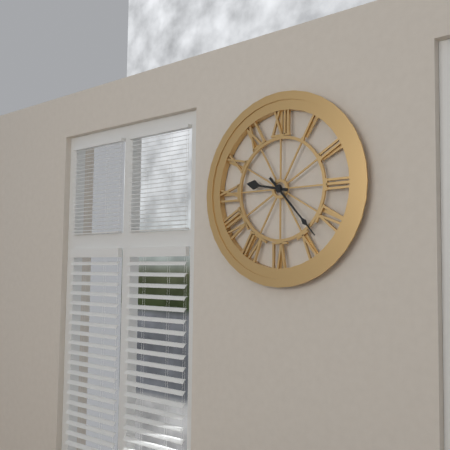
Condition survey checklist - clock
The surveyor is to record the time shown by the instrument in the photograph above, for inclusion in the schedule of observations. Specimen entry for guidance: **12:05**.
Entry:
**9:23**
